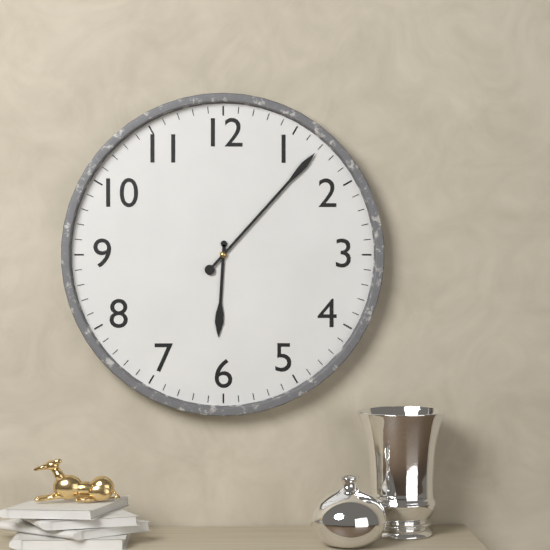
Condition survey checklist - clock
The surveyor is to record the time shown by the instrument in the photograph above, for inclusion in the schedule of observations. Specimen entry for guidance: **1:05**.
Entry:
**6:07**
